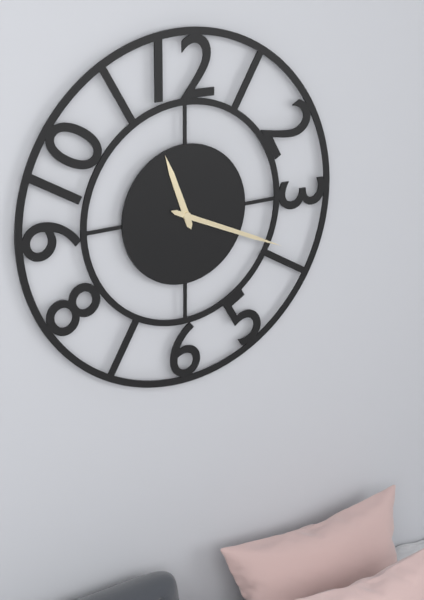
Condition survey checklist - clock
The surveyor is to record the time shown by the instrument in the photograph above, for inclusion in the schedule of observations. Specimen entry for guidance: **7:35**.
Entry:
**11:19**
